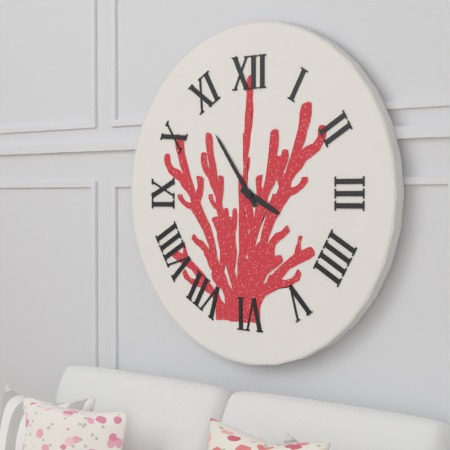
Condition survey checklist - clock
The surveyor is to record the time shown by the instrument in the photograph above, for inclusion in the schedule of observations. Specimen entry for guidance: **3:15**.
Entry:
**3:54**
